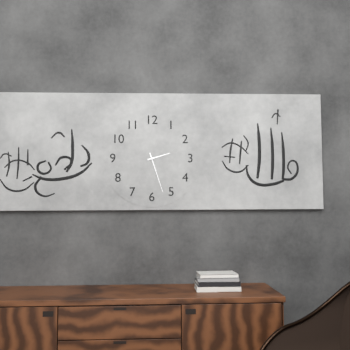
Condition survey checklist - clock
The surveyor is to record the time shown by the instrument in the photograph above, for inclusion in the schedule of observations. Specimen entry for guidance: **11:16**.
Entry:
**2:27**
